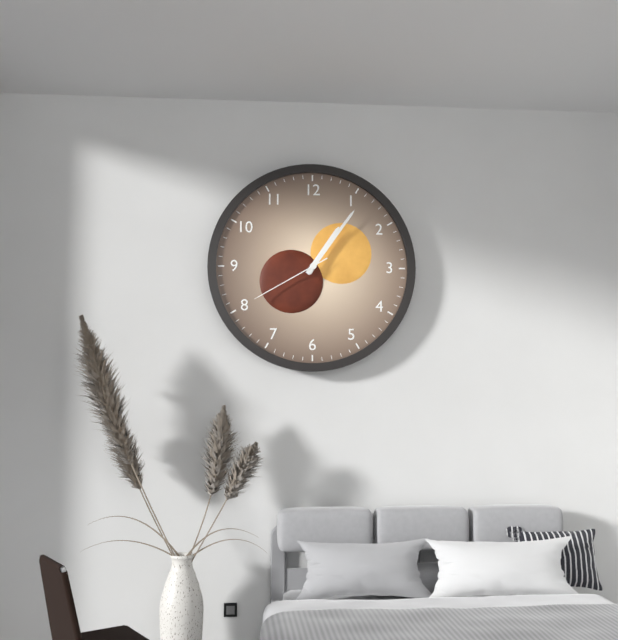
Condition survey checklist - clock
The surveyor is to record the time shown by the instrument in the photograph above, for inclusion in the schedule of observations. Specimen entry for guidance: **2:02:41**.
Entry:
**1:06:40**
